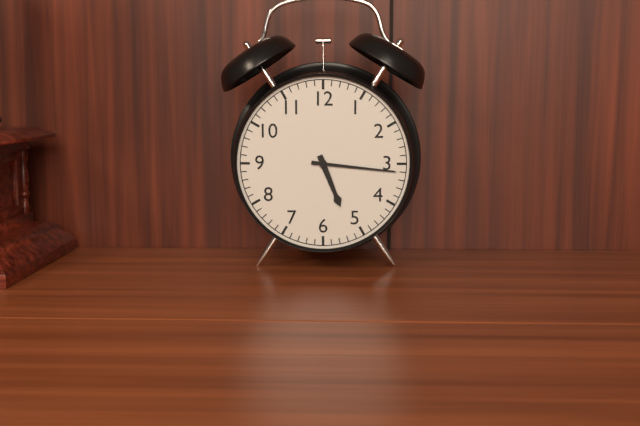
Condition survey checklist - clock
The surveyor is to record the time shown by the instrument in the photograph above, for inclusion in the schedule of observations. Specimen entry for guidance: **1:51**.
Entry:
**5:16**
